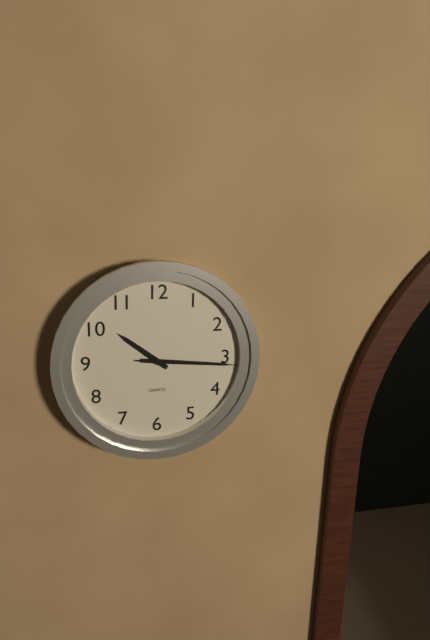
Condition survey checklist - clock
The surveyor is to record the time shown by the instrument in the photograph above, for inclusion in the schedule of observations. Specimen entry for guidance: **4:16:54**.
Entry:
**10:16:16**
